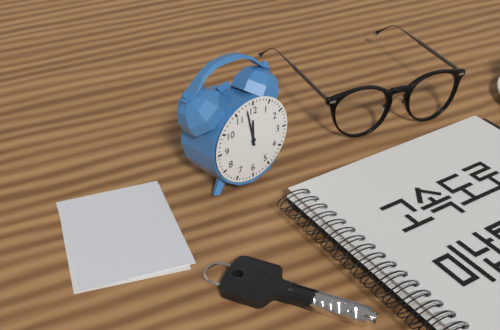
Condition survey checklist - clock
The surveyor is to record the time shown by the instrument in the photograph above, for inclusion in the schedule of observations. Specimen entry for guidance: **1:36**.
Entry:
**11:58**
